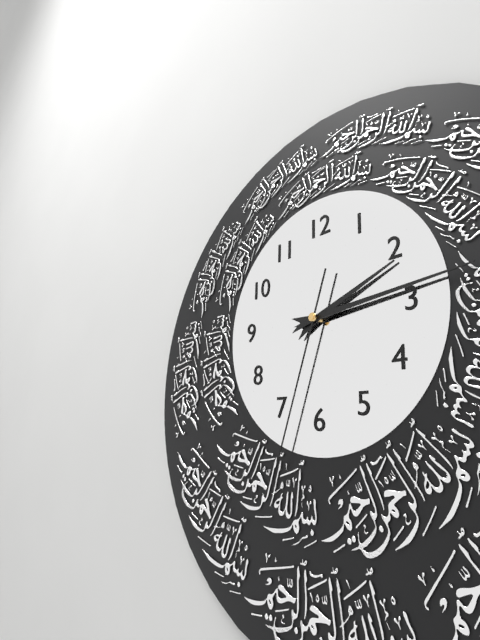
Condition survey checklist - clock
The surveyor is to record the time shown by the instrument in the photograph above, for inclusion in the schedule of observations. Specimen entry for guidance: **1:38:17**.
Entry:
**2:14:33**
